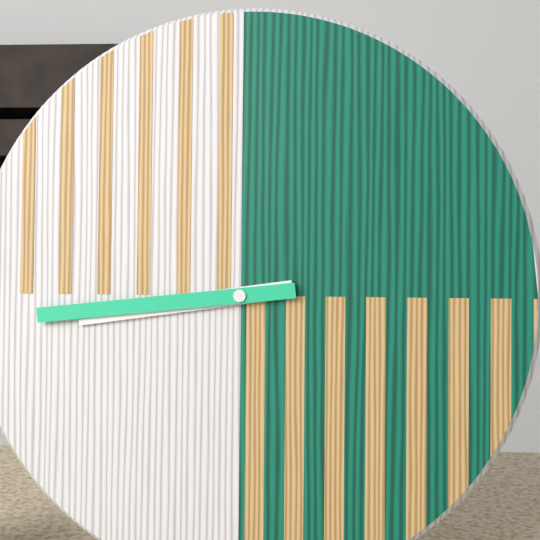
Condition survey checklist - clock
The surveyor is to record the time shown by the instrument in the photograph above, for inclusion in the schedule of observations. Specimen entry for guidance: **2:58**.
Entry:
**8:44**
